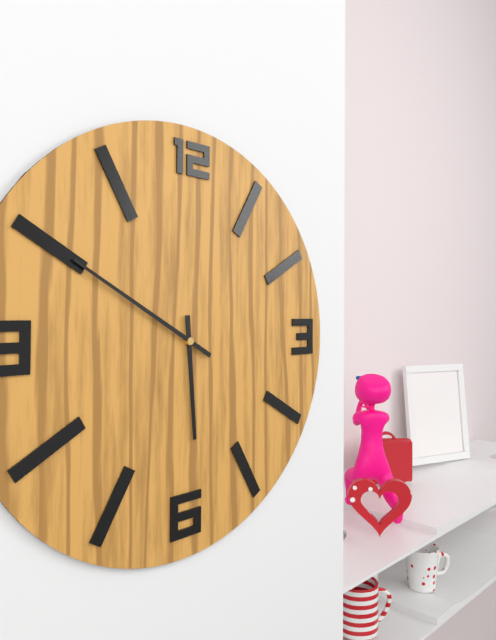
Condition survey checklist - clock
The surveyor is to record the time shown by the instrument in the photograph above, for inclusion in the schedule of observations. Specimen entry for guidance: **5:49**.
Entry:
**5:50**
